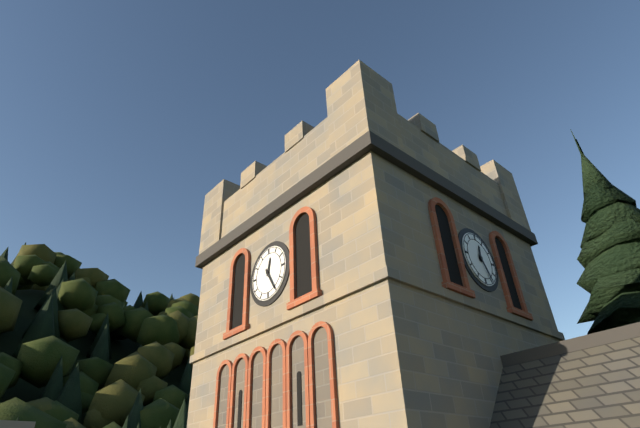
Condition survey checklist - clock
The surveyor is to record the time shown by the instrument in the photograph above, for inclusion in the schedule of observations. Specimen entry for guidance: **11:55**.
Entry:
**12:25**
